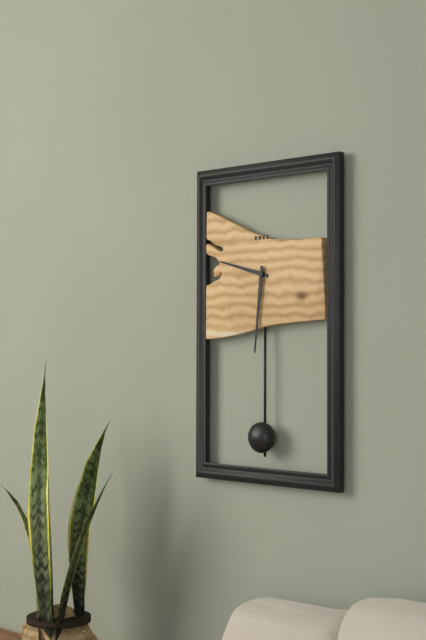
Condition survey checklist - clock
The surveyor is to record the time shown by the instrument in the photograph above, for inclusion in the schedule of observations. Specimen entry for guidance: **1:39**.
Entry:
**9:31**
